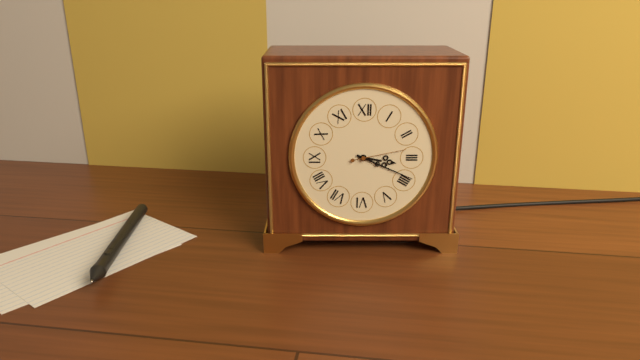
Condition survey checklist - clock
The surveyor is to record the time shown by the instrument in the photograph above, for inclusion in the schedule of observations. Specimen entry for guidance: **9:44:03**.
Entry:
**3:19:13**
